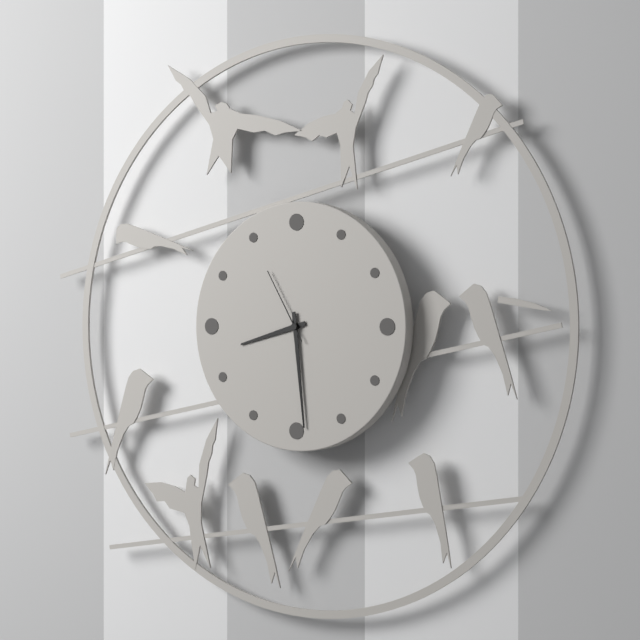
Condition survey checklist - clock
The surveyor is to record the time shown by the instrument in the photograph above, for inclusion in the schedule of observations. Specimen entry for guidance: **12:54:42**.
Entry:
**8:29:55**
